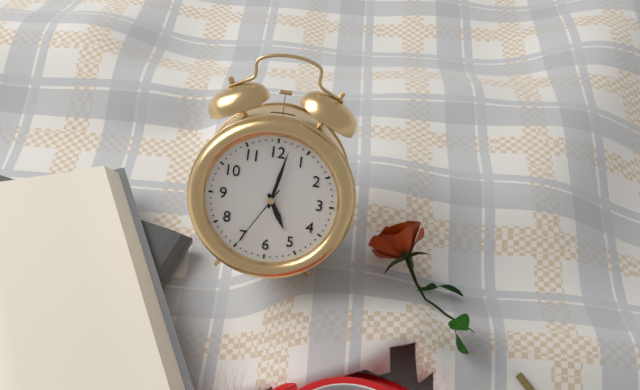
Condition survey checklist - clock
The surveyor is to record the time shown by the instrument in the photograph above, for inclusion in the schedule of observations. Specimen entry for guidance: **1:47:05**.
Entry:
**5:02:35**
